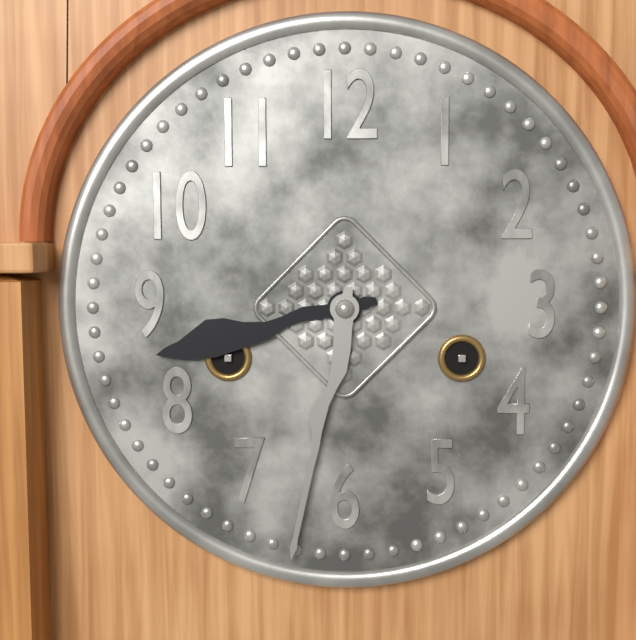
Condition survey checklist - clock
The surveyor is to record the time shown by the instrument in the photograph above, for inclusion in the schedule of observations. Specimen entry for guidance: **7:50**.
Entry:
**8:32**
